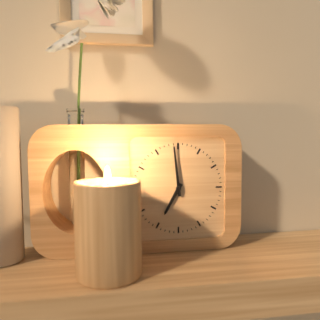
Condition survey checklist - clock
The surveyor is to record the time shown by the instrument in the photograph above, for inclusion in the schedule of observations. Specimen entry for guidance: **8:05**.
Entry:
**6:59**
